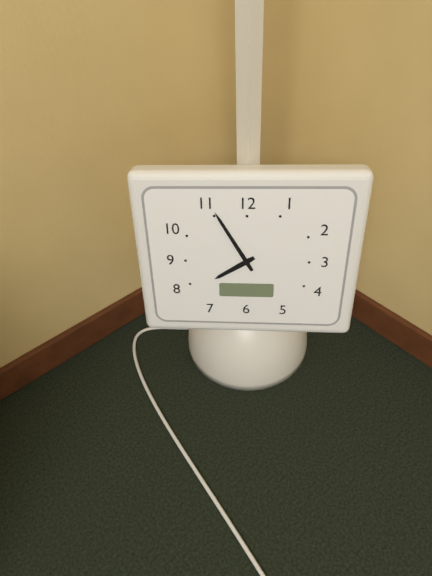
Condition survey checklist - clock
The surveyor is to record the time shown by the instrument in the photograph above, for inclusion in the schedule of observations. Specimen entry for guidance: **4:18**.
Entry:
**7:55**
